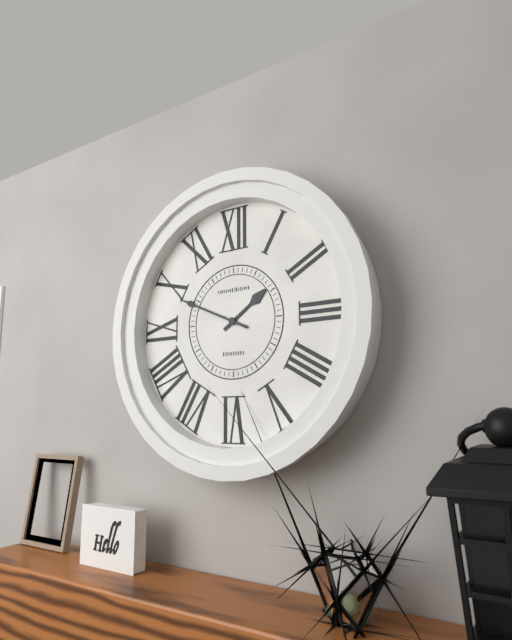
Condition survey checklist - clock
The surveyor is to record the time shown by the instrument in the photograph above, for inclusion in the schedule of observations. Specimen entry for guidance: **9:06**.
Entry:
**1:49**
